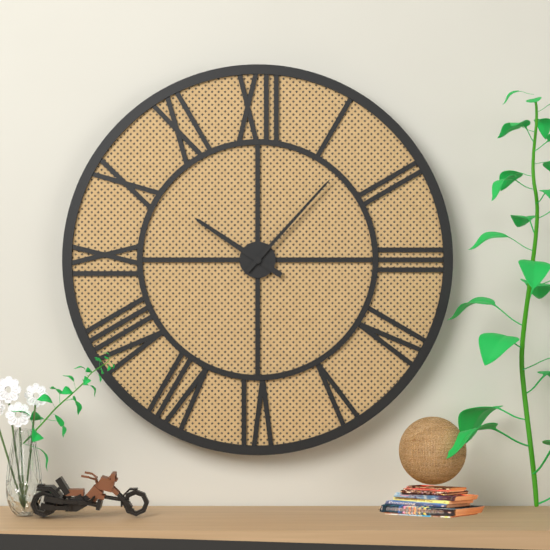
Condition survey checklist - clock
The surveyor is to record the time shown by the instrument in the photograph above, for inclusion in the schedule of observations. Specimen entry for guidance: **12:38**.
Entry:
**10:07**
